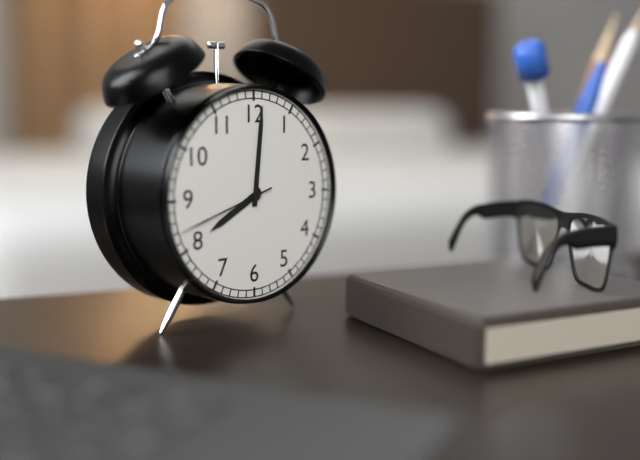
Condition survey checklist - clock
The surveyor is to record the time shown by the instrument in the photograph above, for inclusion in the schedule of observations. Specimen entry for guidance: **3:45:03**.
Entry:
**8:01:42**
